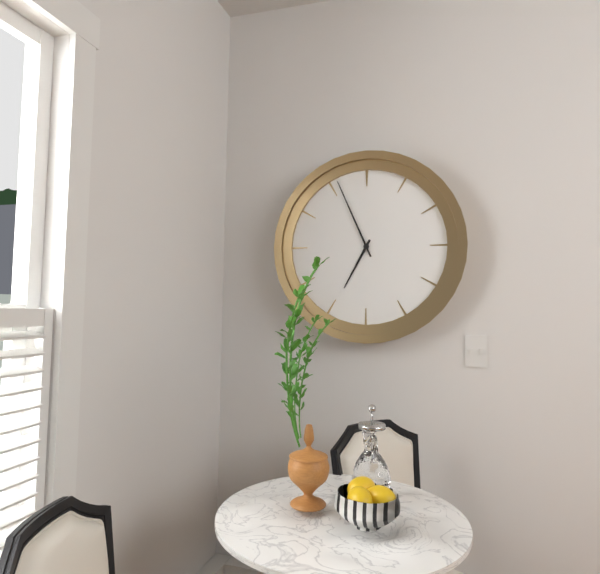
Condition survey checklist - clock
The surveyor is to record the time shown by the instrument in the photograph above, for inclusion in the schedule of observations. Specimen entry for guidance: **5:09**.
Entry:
**6:56**
